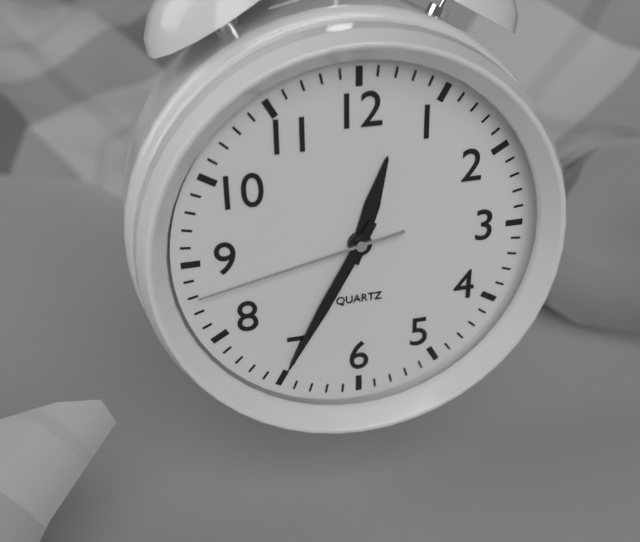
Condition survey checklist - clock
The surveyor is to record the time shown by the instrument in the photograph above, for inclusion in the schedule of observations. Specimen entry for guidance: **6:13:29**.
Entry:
**12:35:43**
